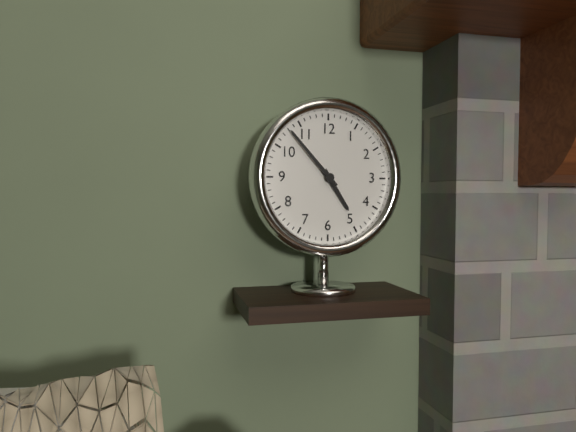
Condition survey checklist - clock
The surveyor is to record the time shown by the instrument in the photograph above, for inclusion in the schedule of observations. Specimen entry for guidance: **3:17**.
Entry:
**4:53**
